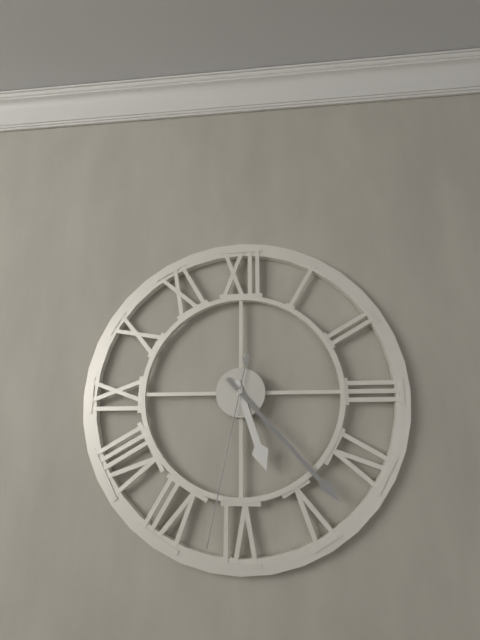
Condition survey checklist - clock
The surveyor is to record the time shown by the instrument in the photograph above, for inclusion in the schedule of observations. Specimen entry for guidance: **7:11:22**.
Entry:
**5:23:32**
